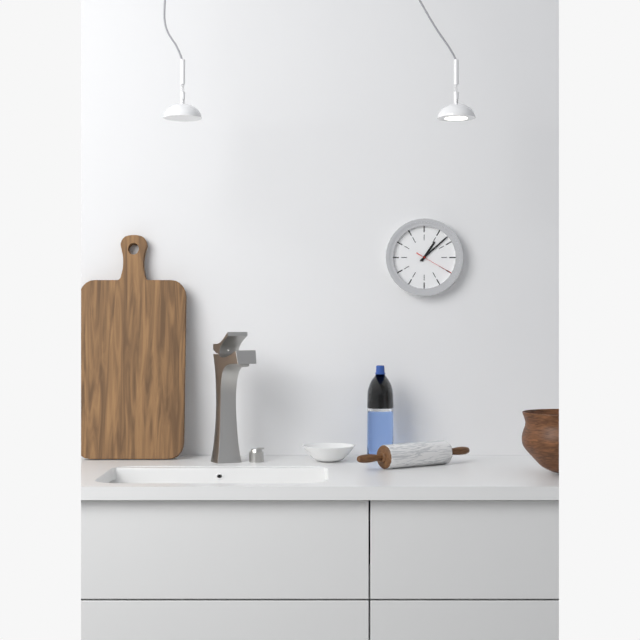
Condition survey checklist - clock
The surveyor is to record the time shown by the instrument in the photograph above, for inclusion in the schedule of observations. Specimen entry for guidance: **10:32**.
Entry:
**1:08**
